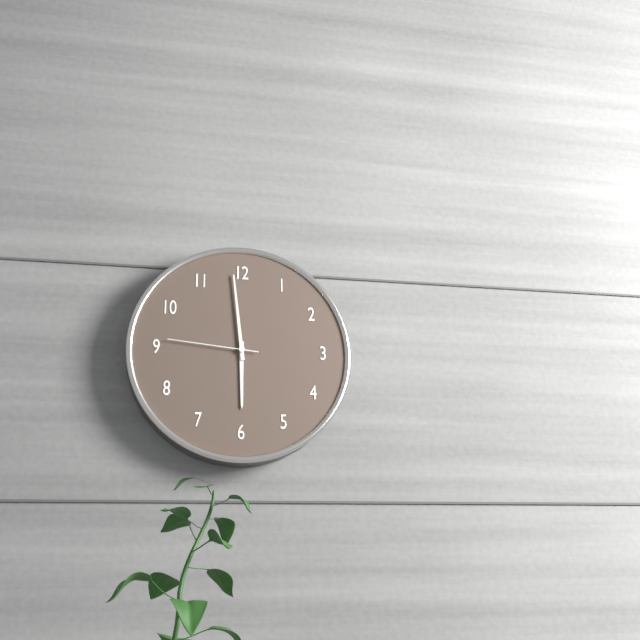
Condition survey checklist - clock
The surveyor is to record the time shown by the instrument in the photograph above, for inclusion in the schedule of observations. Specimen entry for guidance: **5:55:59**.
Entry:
**5:59:46**
